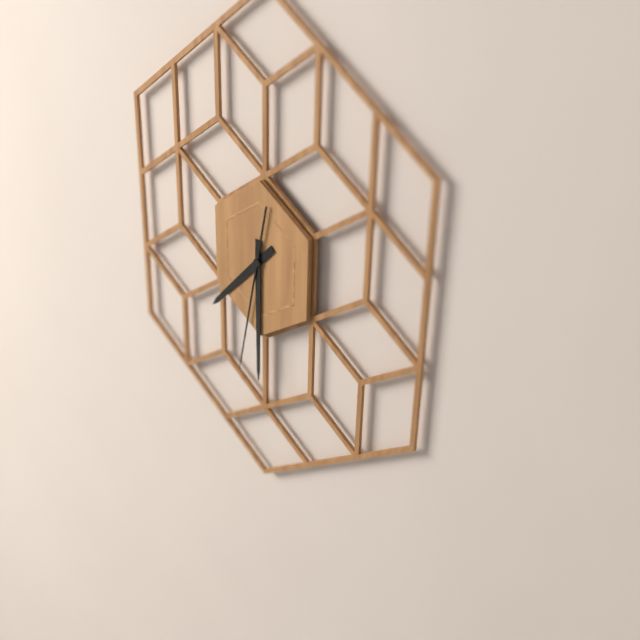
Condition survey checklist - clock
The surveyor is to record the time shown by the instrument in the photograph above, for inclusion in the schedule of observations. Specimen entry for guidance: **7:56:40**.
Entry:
**7:30:32**
